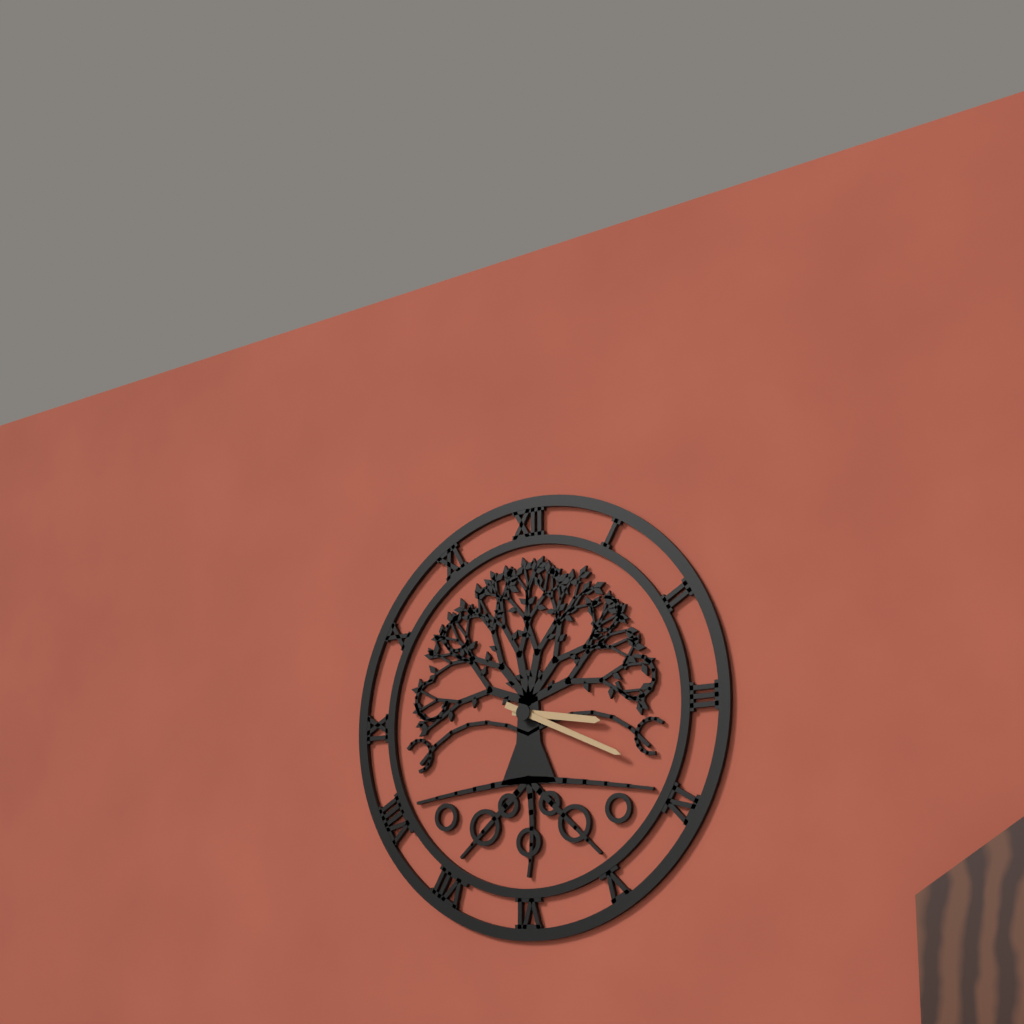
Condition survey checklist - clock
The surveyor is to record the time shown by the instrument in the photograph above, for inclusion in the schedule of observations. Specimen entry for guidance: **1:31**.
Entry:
**3:19**
